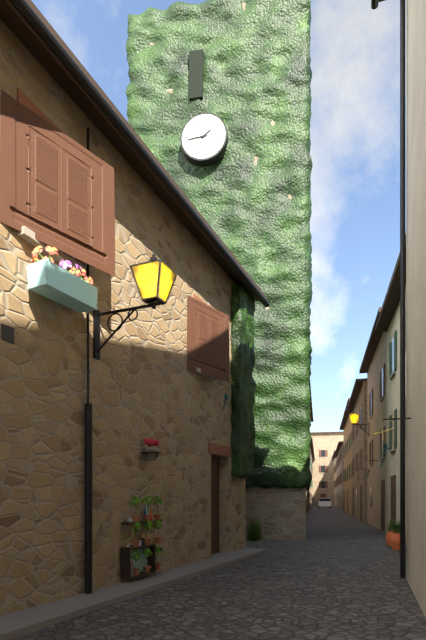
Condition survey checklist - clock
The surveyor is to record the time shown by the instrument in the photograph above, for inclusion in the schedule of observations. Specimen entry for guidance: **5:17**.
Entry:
**1:44**
